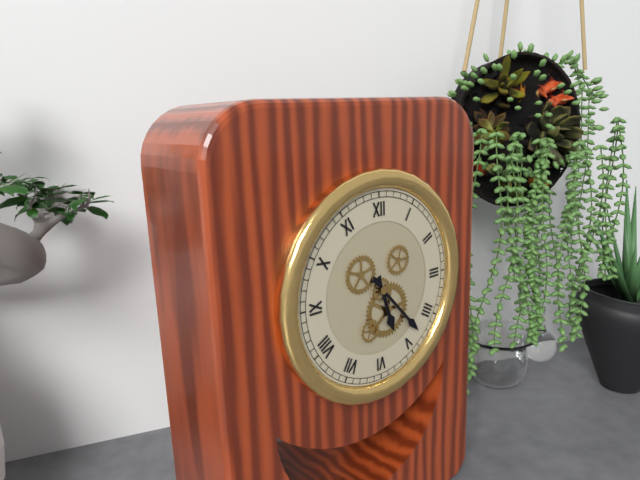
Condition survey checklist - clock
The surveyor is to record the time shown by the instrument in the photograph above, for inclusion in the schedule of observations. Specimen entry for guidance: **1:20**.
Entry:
**5:23**
